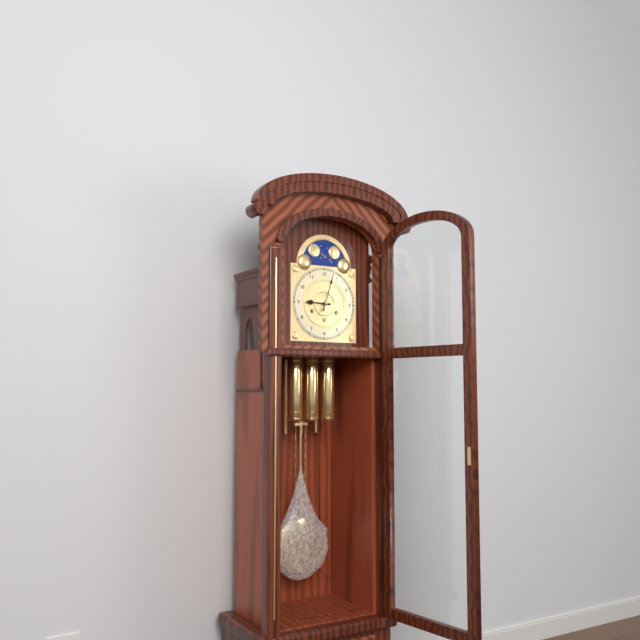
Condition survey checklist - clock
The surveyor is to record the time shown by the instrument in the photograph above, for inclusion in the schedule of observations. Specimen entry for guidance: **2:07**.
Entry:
**9:03**
